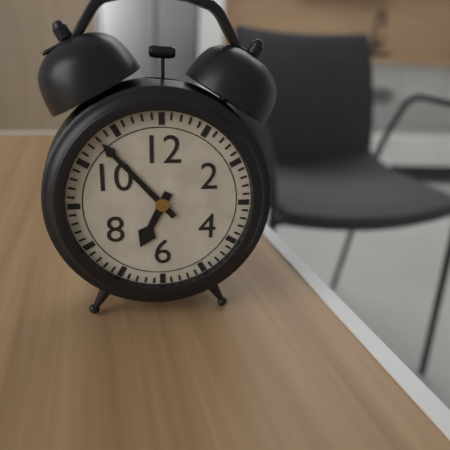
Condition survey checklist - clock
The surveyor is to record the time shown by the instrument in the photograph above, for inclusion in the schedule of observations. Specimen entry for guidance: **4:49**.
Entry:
**6:53**
